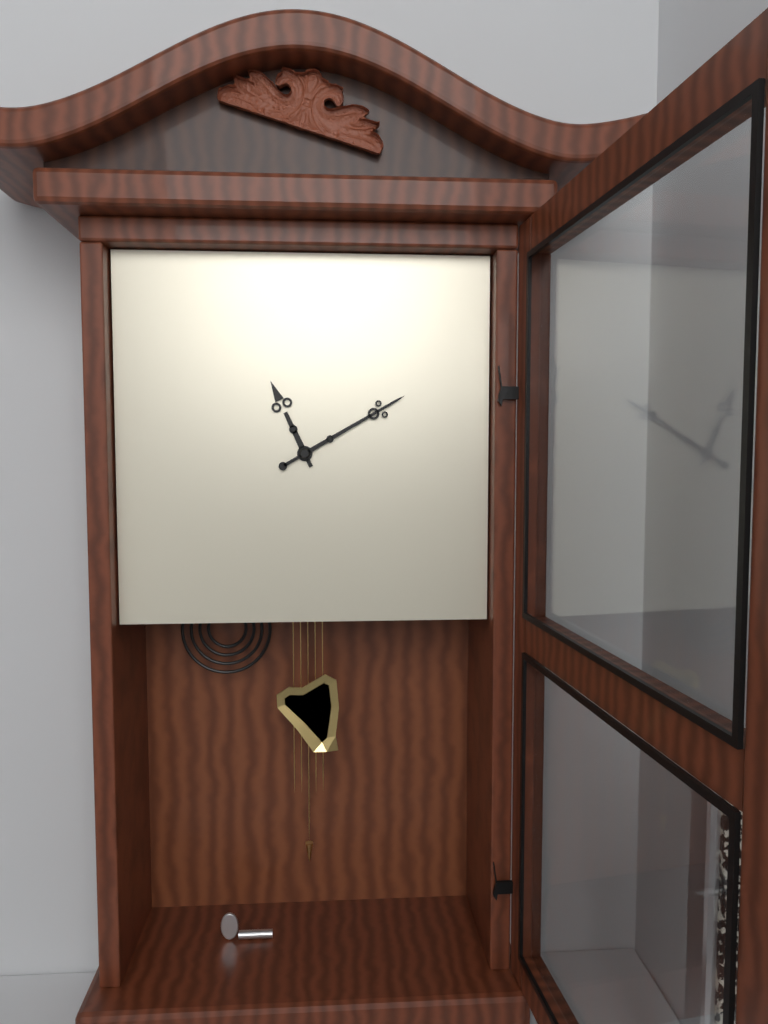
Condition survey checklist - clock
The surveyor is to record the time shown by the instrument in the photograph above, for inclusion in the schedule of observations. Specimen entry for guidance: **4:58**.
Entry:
**11:10**
